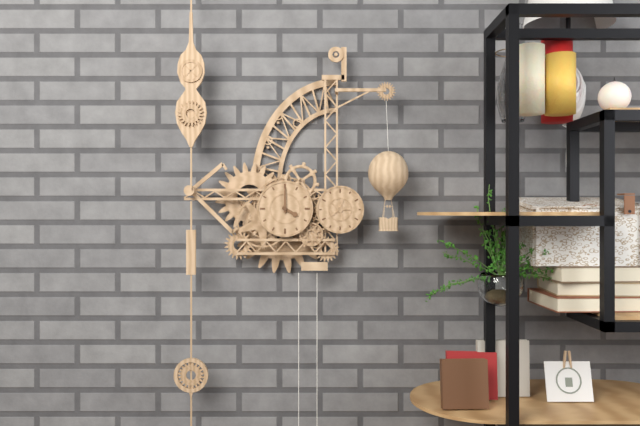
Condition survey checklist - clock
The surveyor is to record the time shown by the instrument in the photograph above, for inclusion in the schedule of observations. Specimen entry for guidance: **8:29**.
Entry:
**4:00**
